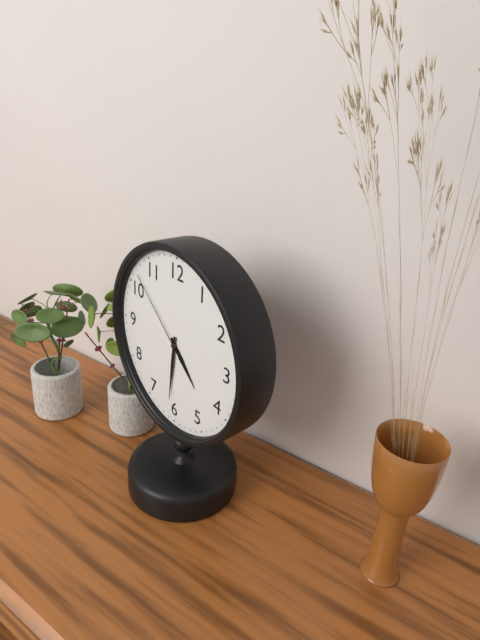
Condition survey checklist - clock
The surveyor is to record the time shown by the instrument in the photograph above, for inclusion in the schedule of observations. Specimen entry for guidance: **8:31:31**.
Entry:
**4:31:52**
